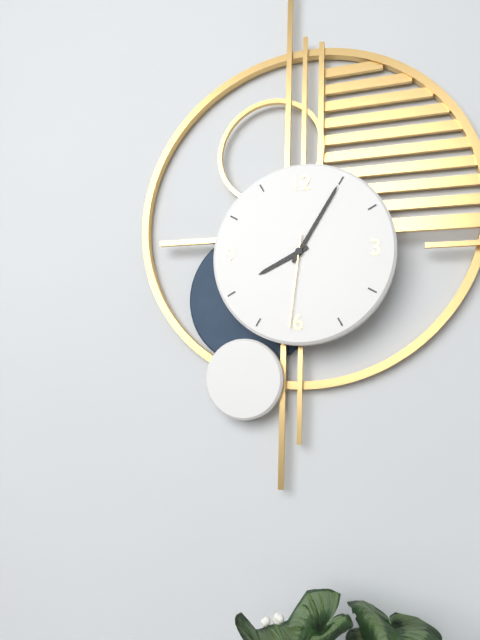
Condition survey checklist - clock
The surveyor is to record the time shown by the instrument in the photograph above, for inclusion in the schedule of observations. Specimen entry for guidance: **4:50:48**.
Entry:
**8:05:31**
